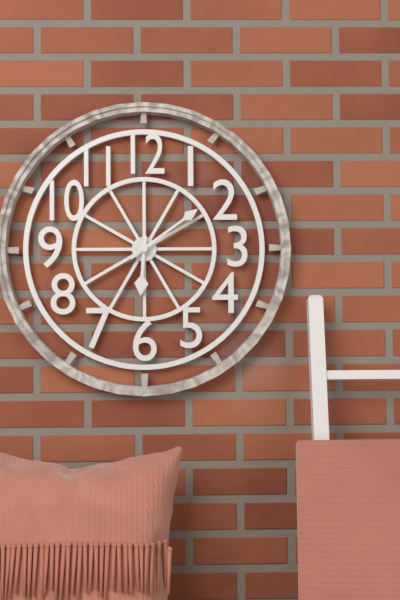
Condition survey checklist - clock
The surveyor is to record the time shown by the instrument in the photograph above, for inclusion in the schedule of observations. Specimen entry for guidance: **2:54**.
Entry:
**6:09**
